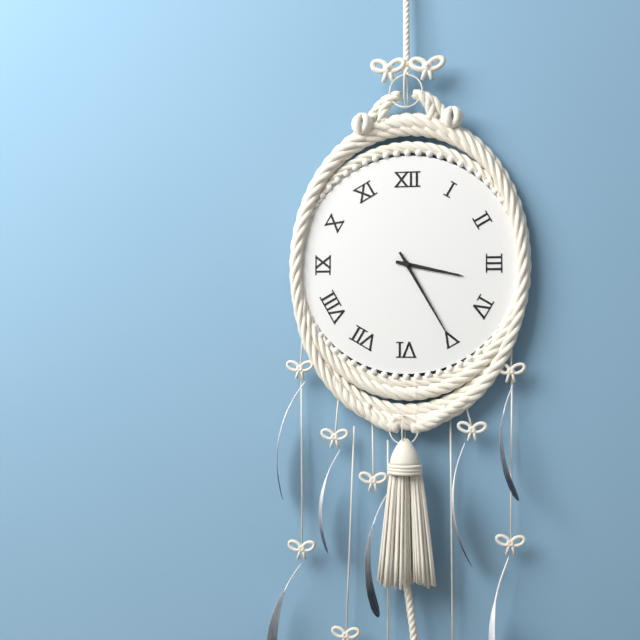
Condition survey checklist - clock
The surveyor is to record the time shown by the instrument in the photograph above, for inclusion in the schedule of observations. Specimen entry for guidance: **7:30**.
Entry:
**3:25**
